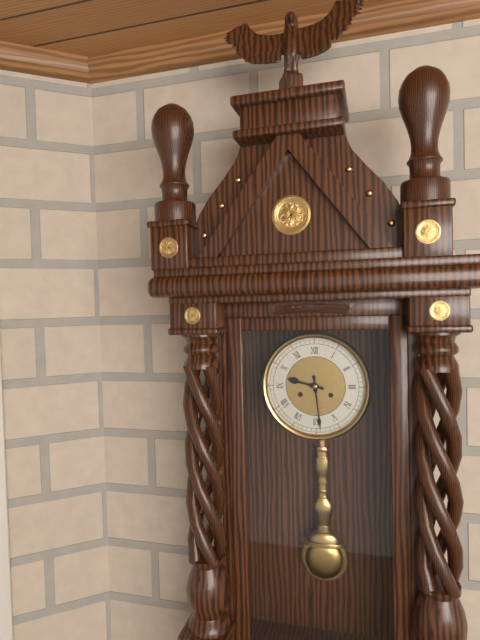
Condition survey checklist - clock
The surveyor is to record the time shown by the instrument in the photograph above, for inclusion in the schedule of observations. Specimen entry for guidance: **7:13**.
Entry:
**9:29**
